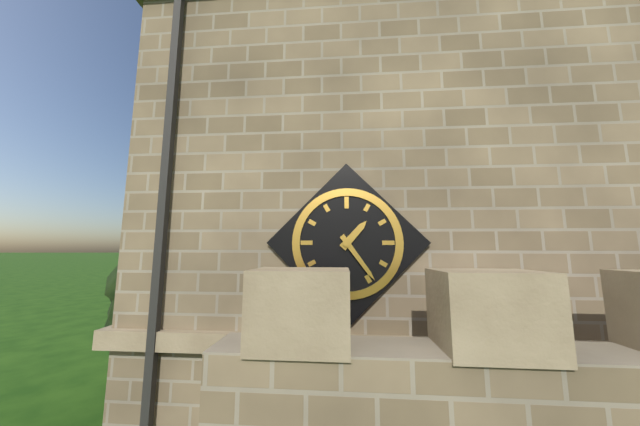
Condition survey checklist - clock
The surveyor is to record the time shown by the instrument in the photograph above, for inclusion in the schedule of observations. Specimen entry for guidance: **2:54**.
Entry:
**1:24**
